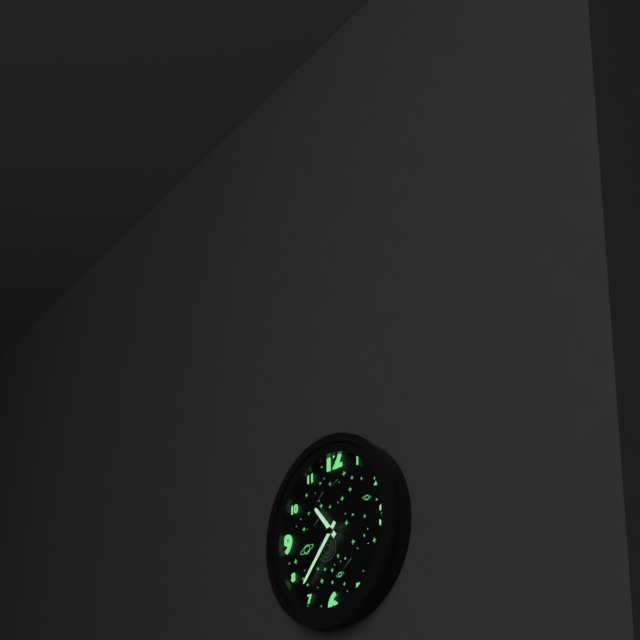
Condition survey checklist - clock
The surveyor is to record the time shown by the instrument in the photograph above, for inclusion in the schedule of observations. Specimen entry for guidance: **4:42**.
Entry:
**10:37**
